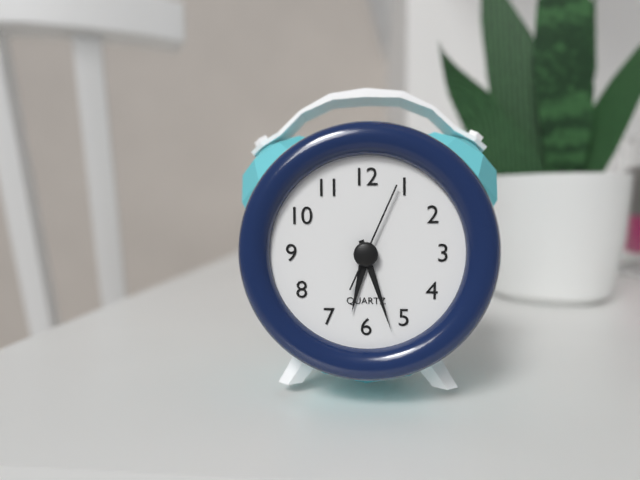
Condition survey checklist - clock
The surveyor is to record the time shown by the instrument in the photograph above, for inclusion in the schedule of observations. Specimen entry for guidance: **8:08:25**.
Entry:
**6:27:04**
